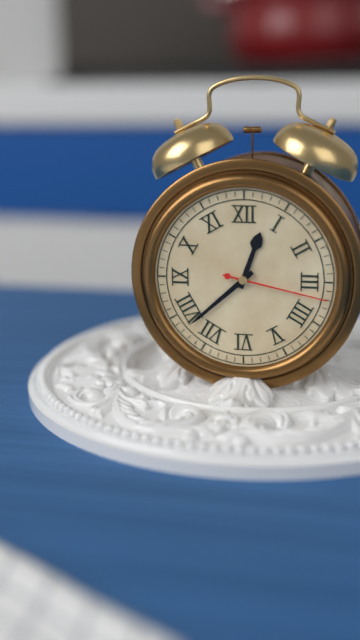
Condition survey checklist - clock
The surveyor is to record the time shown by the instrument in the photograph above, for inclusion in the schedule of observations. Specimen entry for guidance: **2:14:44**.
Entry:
**12:38:17**
